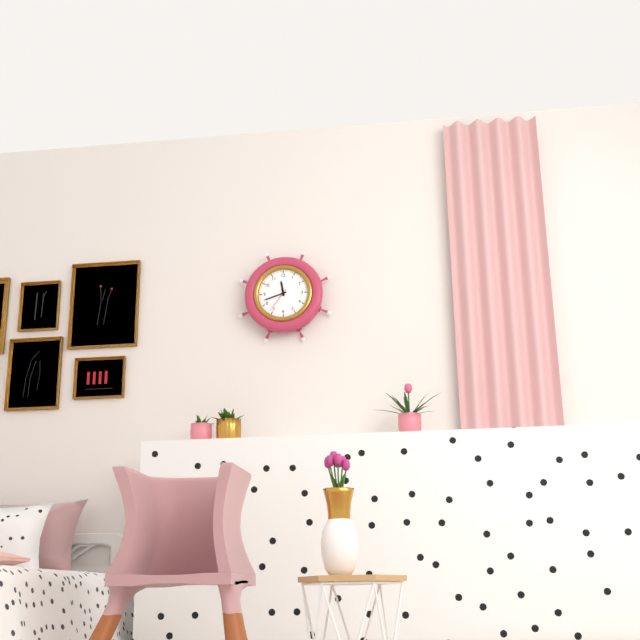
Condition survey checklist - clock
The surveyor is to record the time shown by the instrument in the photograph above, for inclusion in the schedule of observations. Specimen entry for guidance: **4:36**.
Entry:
**11:42**
